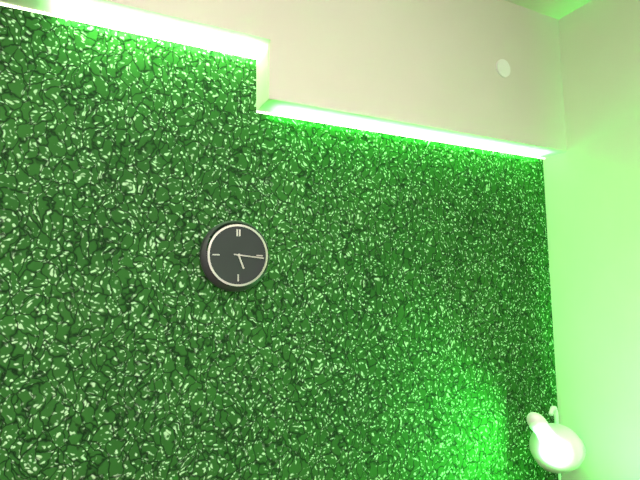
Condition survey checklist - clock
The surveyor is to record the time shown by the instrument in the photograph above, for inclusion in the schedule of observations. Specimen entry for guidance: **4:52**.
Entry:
**5:16**
